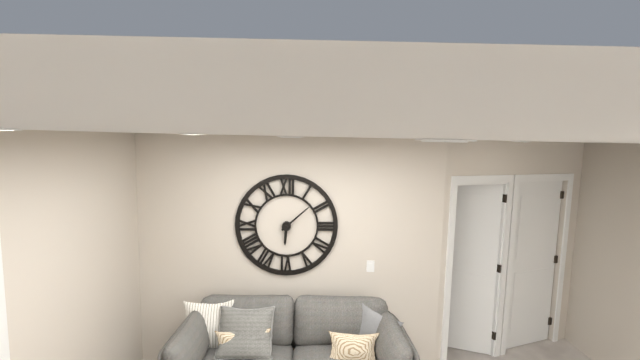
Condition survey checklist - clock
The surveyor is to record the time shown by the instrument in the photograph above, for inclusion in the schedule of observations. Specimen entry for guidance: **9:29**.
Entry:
**6:08**
